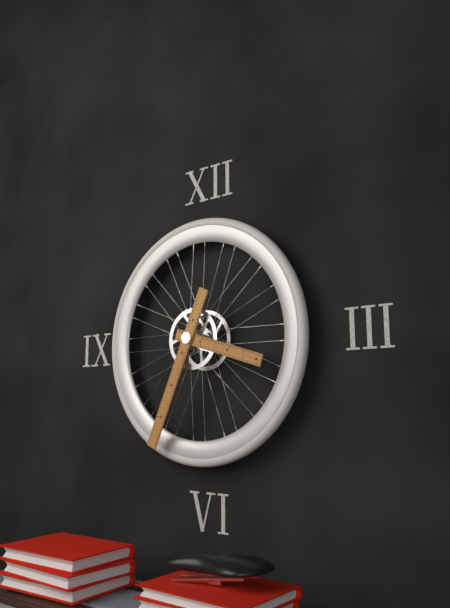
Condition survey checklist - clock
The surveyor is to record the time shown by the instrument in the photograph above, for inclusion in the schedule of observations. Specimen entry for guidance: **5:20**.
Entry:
**3:34**
